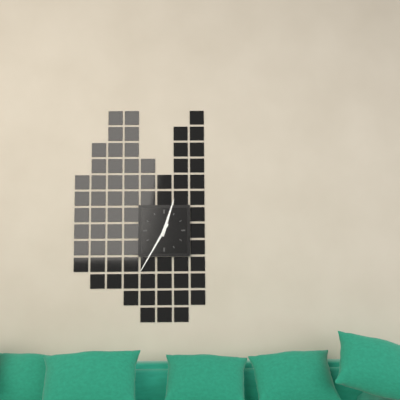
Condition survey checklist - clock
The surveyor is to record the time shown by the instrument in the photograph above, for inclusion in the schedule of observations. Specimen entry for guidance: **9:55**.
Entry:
**12:35**
